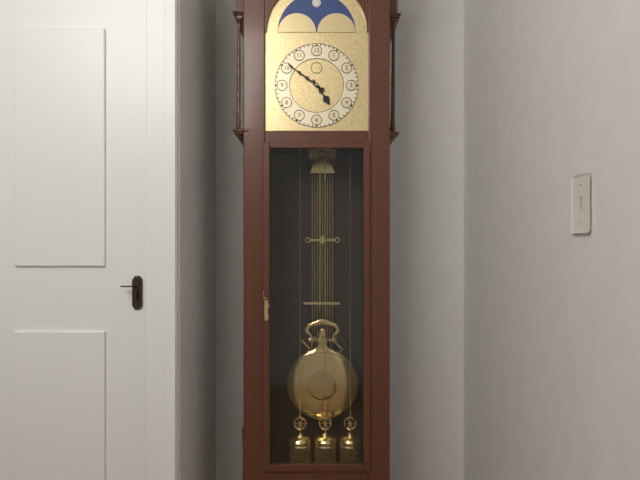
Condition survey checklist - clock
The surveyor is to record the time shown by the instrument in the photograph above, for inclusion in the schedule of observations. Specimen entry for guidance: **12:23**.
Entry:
**4:51**
